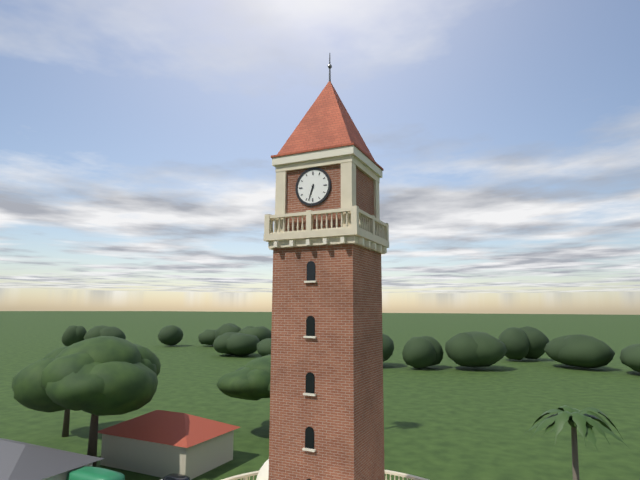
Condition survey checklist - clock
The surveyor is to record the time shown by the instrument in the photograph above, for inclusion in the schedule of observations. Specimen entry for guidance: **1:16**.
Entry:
**6:33**
